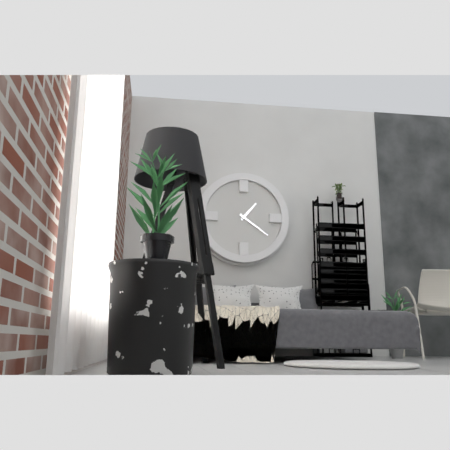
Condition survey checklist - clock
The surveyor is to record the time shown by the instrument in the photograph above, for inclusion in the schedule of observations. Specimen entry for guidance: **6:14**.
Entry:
**1:21**
